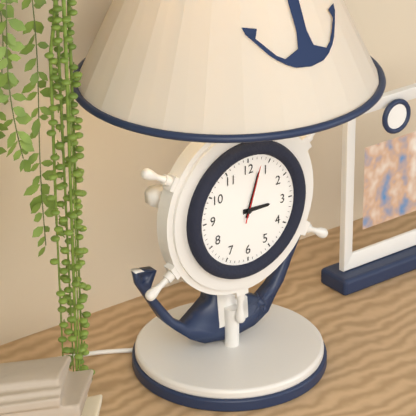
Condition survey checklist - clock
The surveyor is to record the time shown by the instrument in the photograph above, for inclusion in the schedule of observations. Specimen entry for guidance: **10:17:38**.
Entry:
**3:03:03**
